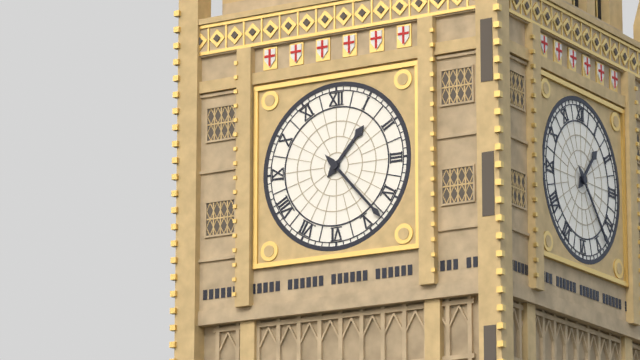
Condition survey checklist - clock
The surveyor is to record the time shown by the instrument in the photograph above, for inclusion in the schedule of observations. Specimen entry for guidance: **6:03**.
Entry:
**1:23**
